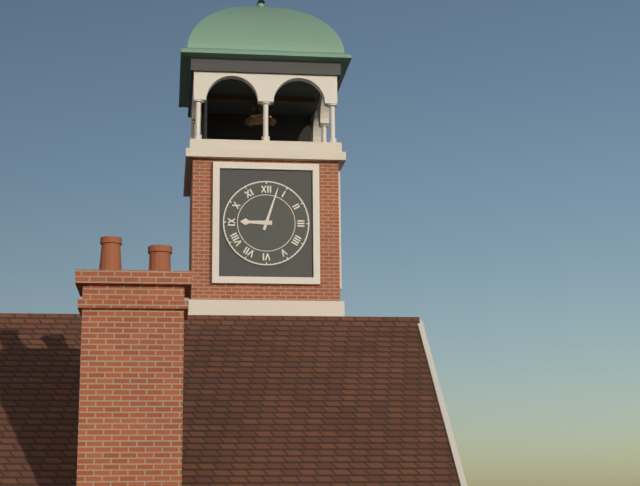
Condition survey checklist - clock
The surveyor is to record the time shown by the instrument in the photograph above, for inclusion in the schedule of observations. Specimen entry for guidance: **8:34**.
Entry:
**9:03**
